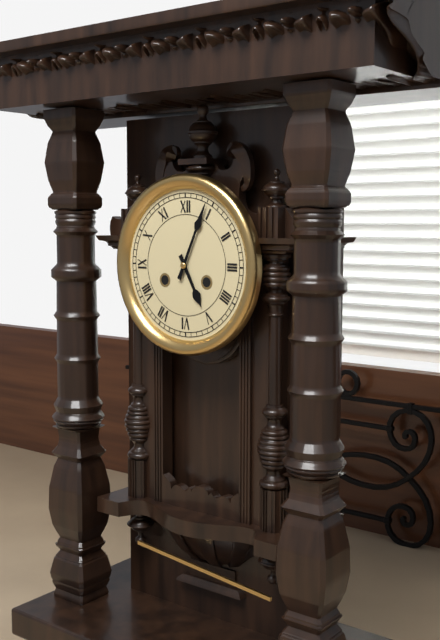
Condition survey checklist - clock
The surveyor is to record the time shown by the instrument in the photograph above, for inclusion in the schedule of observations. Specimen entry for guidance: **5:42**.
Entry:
**5:04**
